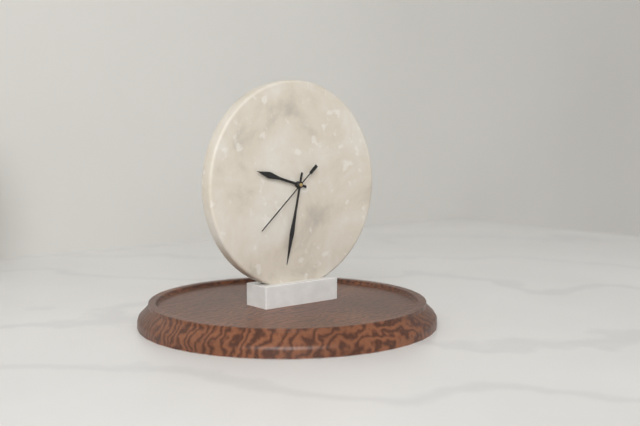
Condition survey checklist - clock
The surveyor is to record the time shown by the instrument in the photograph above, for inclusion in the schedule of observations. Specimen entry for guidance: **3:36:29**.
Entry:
**9:32:38**
